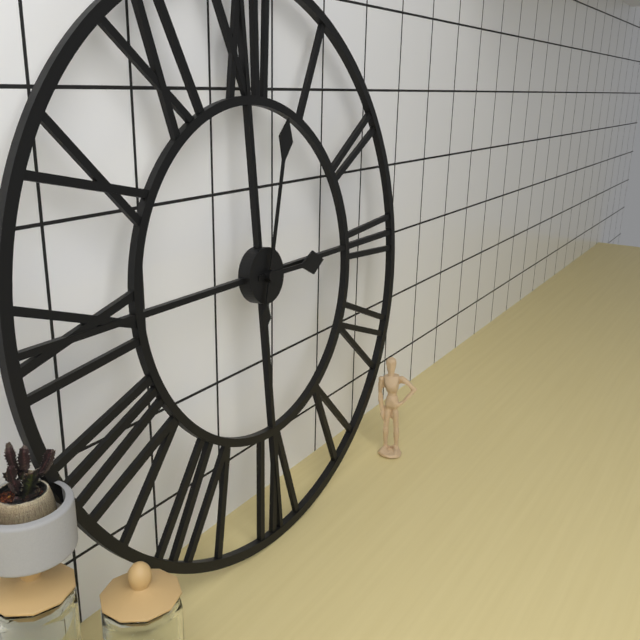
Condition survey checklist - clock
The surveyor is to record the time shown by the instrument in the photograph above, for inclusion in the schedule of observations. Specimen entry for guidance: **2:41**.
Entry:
**3:03**
